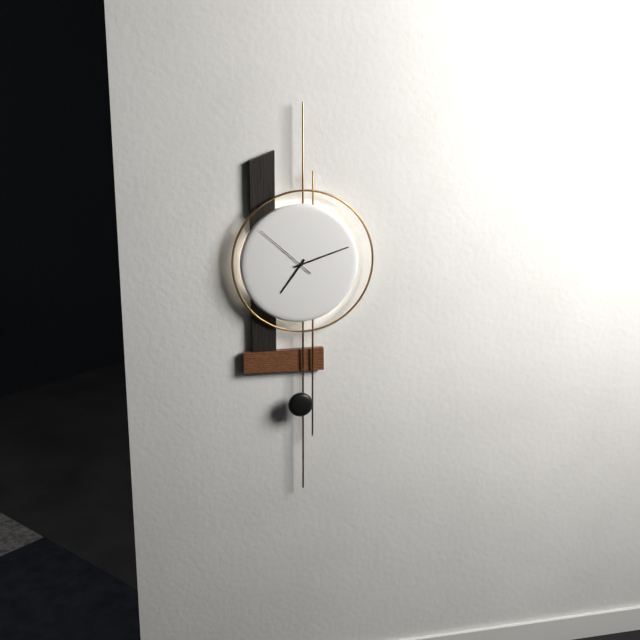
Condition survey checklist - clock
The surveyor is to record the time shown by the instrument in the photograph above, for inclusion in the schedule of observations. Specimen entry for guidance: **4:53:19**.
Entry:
**7:12:52**
